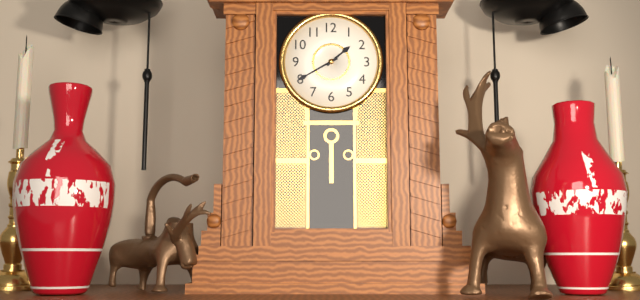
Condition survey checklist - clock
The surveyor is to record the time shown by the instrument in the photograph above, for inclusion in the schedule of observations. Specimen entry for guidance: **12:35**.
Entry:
**1:40**
